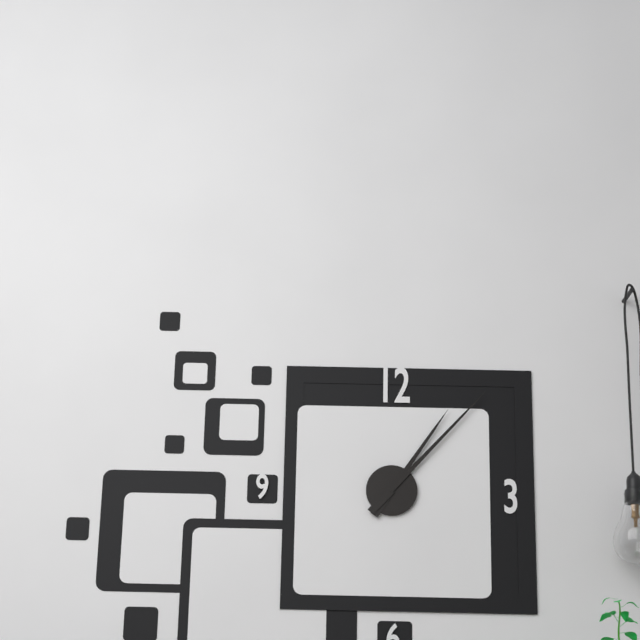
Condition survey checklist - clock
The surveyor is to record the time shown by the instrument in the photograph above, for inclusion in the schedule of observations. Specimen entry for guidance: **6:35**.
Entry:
**1:07**
